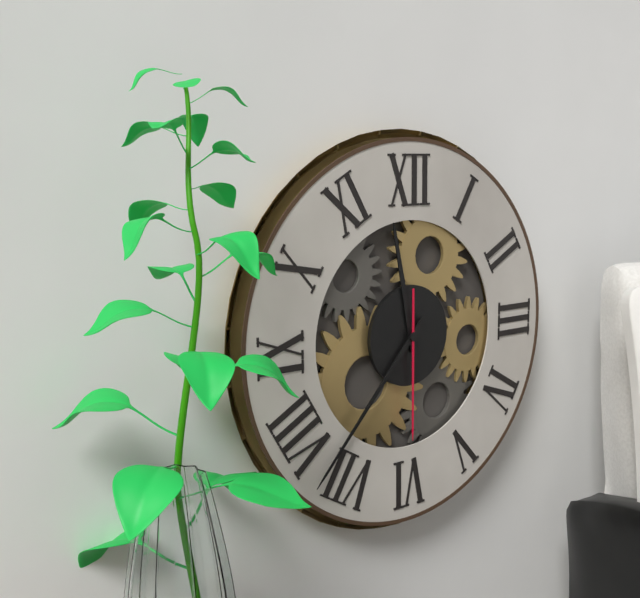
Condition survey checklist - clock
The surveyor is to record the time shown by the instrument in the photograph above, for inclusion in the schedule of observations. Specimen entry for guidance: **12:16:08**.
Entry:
**11:37:30**
